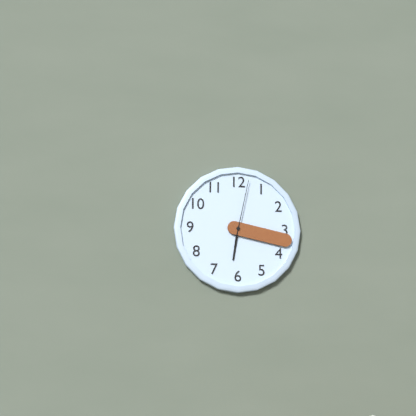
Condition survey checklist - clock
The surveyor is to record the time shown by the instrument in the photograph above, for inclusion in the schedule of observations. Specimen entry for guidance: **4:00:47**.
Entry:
**6:17:02**
